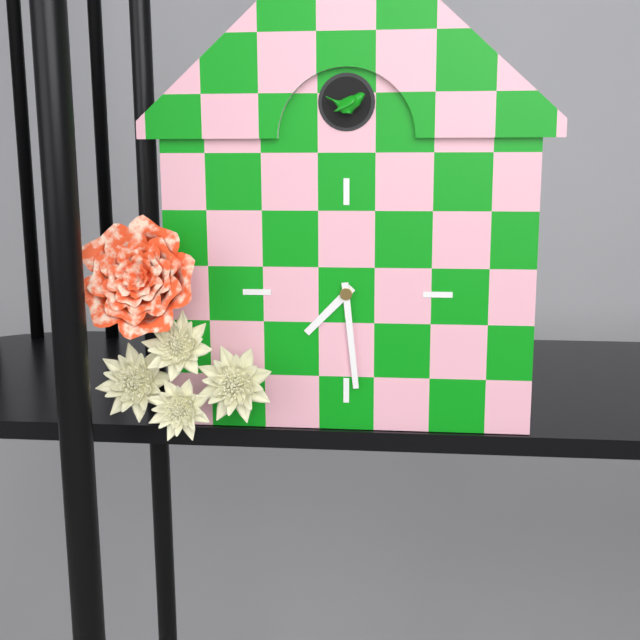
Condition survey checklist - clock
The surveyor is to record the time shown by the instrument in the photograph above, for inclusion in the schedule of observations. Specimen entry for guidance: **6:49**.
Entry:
**7:29**
